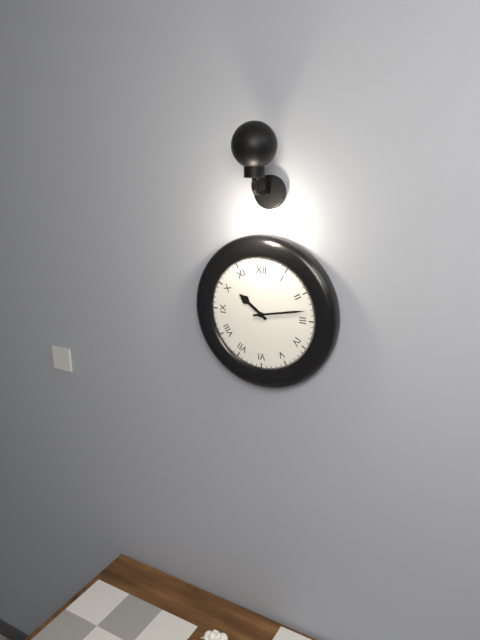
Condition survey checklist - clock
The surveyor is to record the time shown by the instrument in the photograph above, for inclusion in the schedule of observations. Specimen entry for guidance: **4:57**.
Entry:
**10:13**
